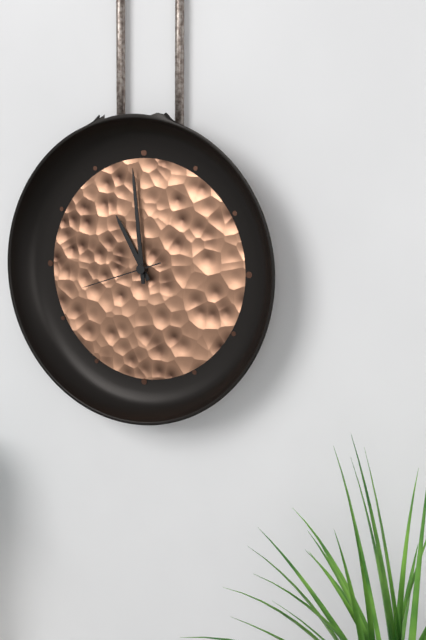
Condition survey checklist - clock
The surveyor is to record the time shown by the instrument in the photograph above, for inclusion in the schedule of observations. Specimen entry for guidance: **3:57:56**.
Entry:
**10:59:42**
